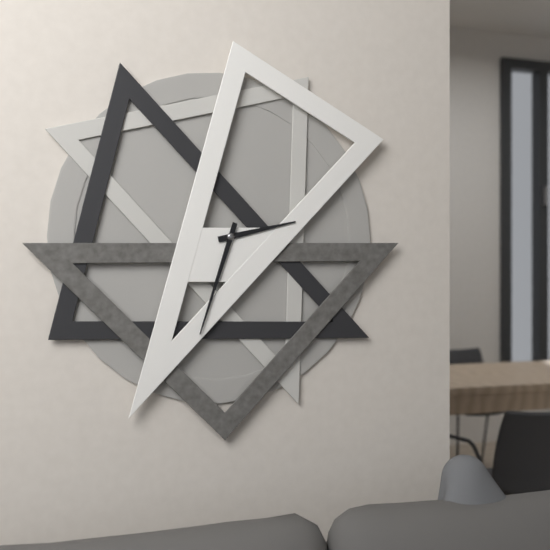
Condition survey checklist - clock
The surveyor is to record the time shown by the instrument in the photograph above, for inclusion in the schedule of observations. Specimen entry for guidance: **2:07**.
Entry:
**2:33**
